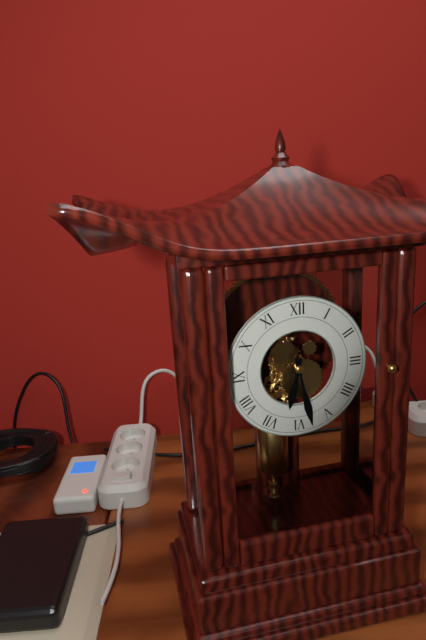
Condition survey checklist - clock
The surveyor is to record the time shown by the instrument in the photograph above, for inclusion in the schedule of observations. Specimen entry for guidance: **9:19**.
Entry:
**6:28**
